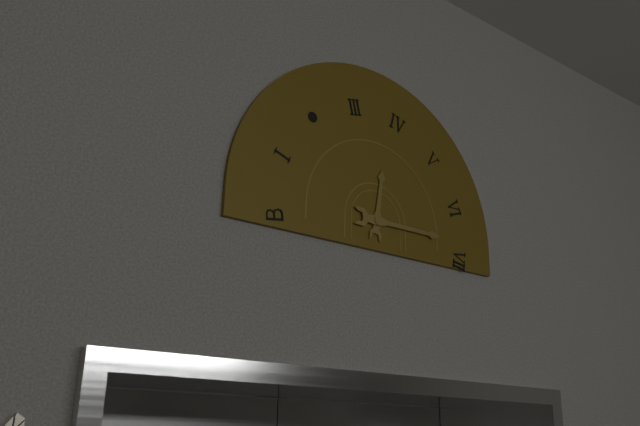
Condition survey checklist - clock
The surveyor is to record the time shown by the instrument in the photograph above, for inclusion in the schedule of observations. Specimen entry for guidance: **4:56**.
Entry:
**12:15**
